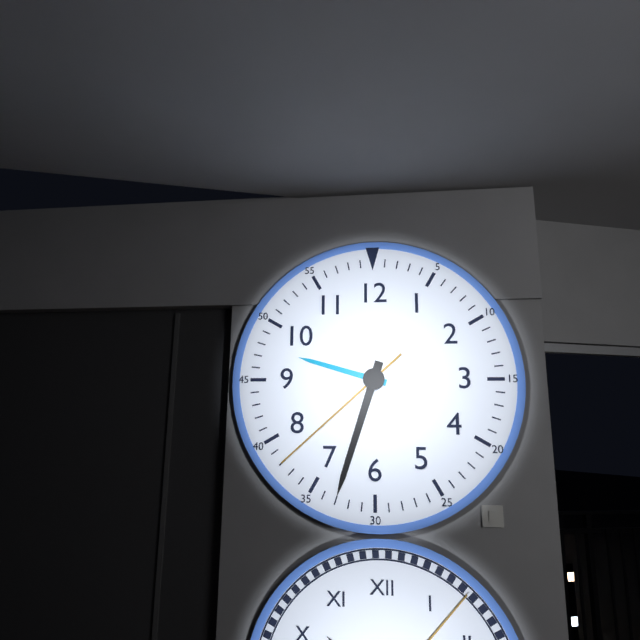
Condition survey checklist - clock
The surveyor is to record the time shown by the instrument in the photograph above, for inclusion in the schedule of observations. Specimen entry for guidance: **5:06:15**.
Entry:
**9:33:38**
